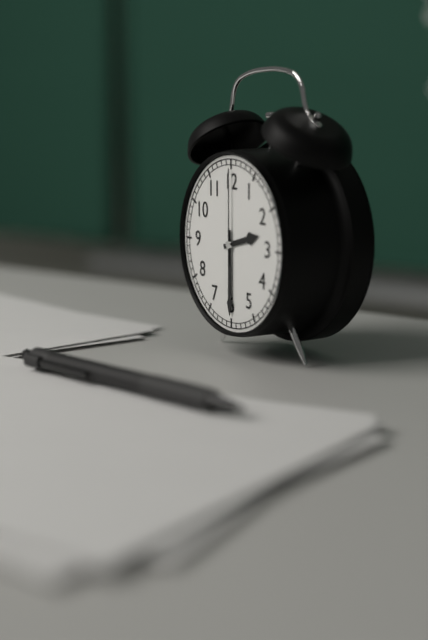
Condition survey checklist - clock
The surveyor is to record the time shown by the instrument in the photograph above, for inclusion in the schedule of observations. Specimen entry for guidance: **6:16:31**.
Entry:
**2:30:00**
